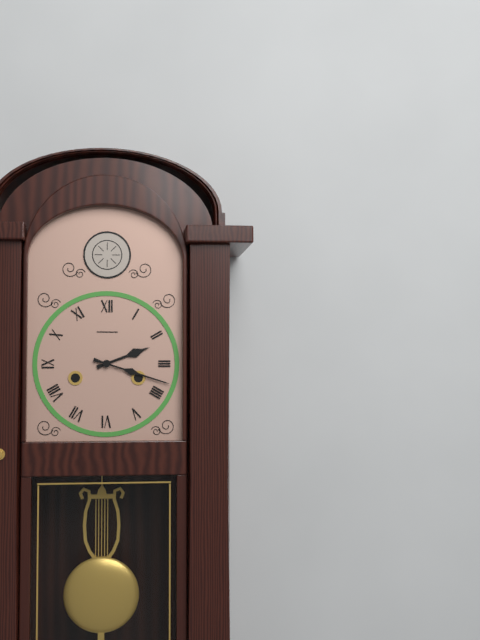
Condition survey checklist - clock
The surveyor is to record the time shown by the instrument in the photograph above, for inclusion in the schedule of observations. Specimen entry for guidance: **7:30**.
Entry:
**2:18**
